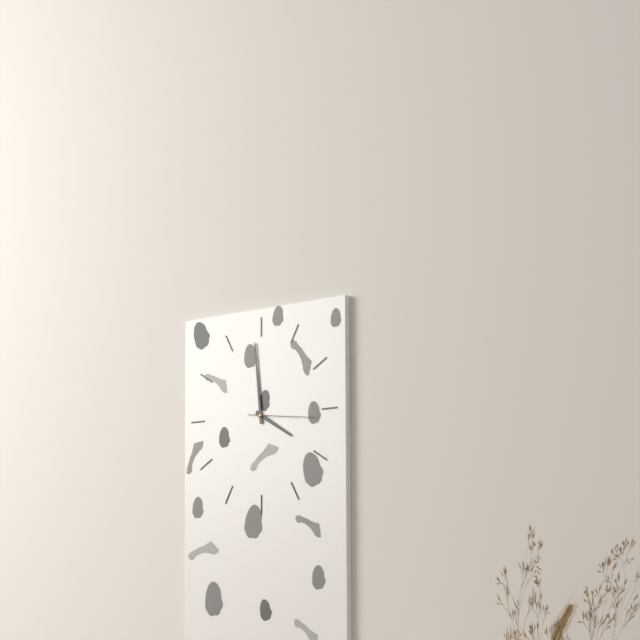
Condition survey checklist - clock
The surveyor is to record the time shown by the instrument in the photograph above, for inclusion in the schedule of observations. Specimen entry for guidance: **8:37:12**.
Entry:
**3:59:16**
